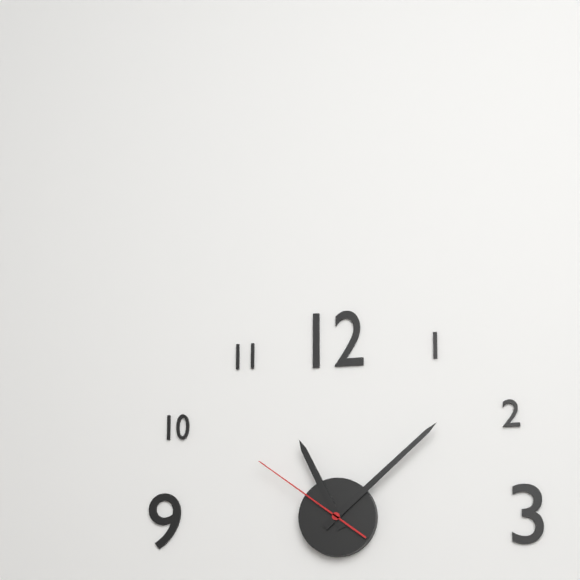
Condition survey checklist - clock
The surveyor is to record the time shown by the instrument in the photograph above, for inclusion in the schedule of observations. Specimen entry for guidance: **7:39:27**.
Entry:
**11:08:51**
